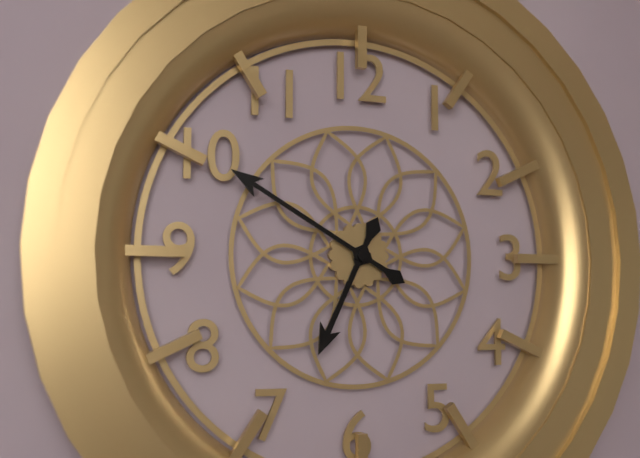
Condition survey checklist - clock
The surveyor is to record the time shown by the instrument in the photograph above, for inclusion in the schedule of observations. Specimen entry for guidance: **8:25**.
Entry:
**6:50**
